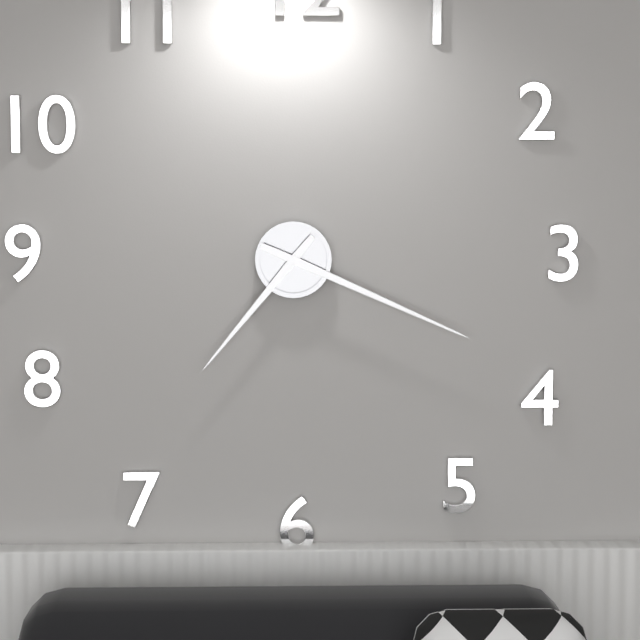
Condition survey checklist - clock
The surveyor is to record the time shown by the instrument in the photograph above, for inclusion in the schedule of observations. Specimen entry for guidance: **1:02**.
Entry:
**7:19**
